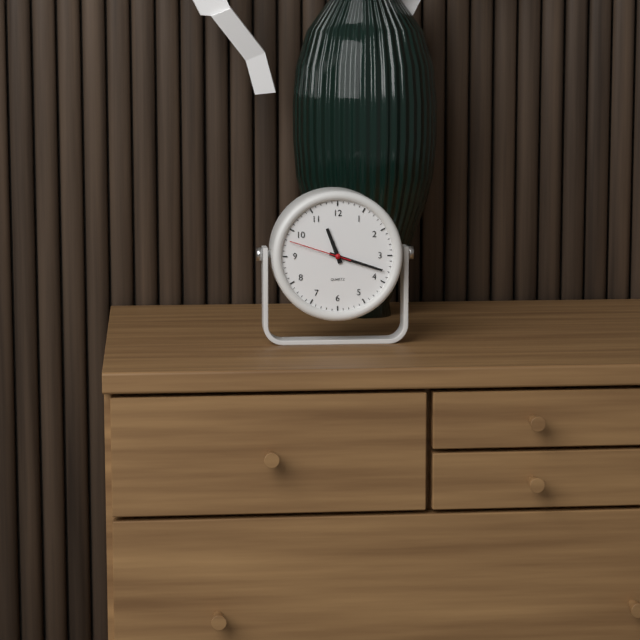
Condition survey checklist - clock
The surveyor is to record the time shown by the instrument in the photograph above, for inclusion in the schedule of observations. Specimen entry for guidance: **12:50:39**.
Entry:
**11:18:48**
